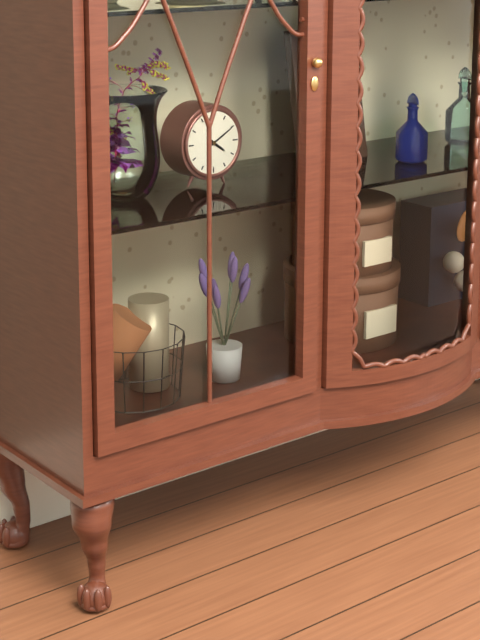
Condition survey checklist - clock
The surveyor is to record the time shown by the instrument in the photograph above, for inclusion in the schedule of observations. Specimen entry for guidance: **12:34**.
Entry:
**4:10**
